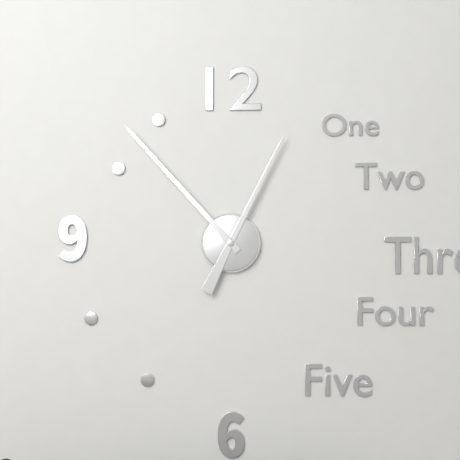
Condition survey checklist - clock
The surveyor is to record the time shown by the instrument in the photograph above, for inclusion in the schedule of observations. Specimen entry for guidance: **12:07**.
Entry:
**12:53**
